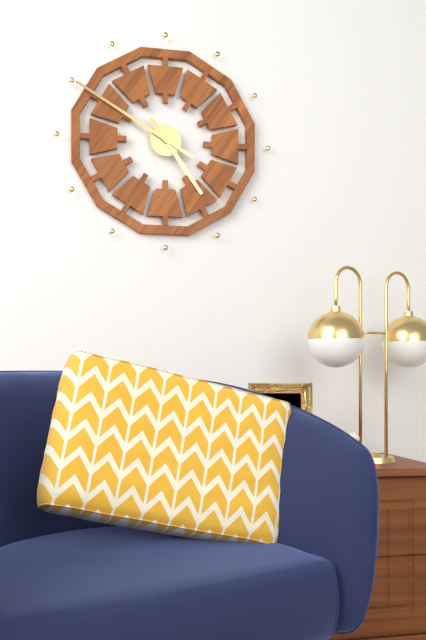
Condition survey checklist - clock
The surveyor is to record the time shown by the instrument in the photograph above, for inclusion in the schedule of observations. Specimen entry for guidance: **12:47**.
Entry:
**4:50**
